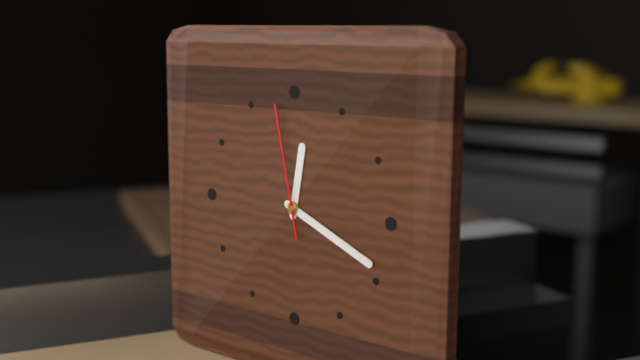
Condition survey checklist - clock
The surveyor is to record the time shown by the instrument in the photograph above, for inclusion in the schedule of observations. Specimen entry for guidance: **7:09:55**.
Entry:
**12:19:58**
